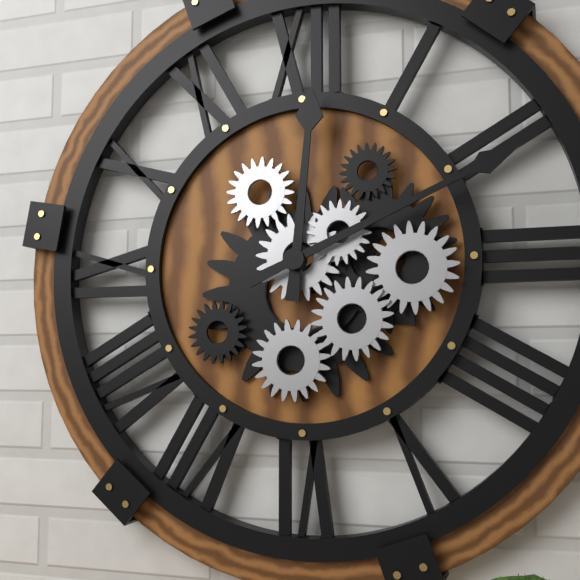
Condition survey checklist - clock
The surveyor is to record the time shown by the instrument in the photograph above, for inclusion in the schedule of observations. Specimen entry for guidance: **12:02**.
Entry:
**12:11**
